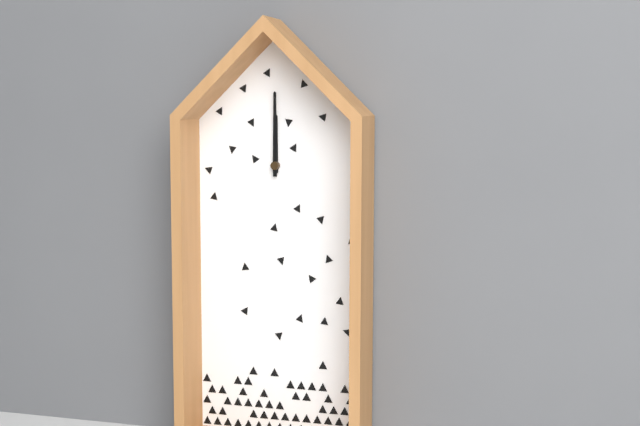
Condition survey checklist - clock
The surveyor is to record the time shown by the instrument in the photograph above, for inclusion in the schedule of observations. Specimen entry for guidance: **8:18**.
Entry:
**12:00**
